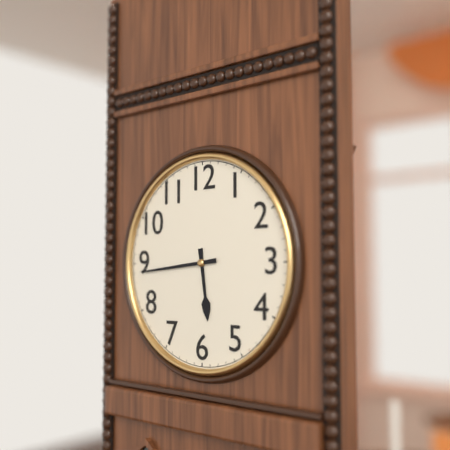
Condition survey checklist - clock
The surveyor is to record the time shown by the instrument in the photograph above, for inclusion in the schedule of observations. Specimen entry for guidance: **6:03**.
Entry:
**5:44**
